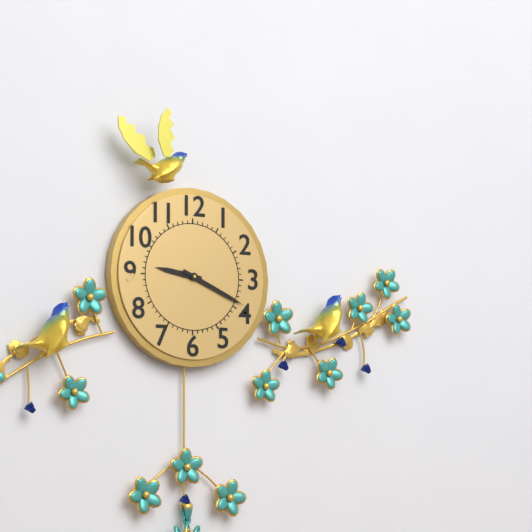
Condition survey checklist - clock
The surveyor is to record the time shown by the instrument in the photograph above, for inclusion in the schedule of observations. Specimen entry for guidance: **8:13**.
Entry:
**9:19**
